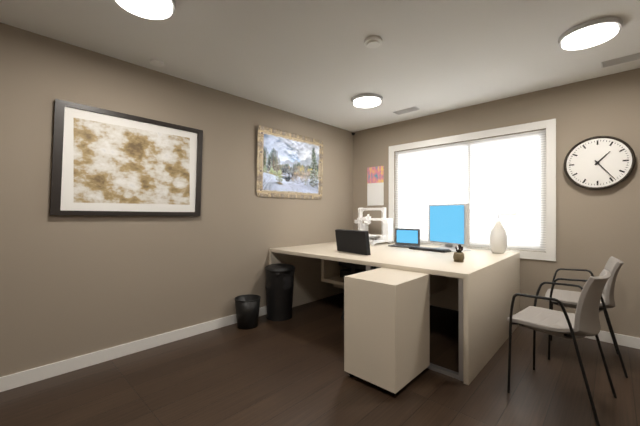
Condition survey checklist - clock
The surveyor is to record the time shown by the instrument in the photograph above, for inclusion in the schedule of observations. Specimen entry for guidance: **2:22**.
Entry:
**1:24**
